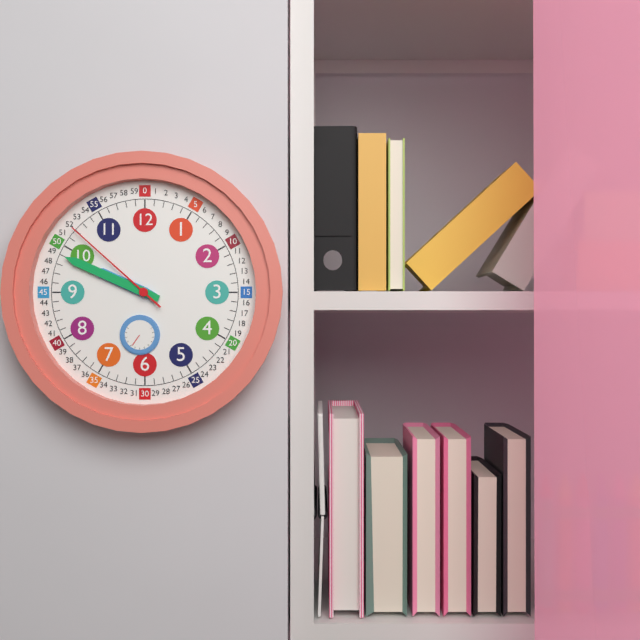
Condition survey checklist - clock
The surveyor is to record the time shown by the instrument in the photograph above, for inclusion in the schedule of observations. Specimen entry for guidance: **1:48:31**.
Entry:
**9:49:52**
